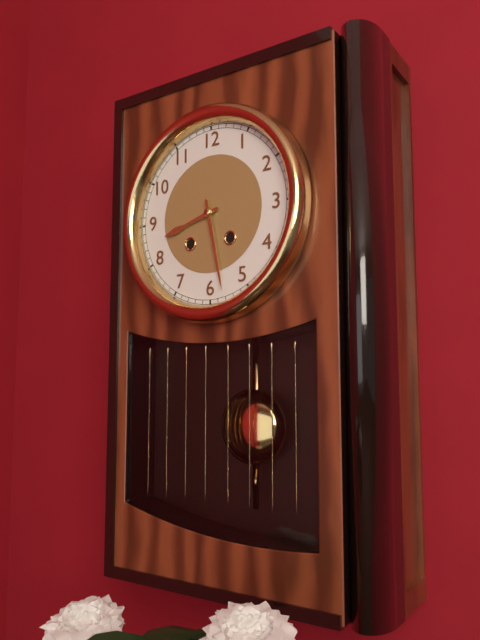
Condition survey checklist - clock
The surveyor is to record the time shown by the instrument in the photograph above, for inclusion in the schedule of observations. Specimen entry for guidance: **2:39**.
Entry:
**8:28**
